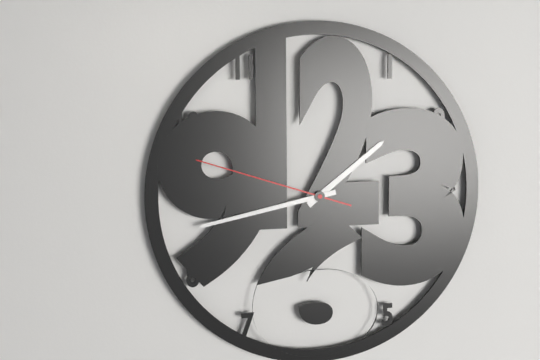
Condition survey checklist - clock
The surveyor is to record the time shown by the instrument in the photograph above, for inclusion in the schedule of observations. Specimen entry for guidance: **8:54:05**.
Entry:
**1:43:48**
